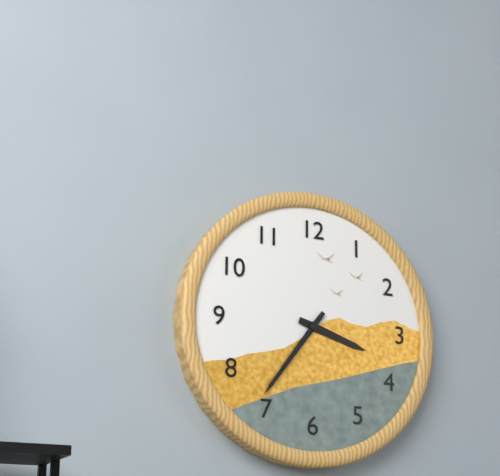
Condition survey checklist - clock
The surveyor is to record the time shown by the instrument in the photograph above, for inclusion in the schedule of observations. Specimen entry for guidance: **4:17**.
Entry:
**3:36**
